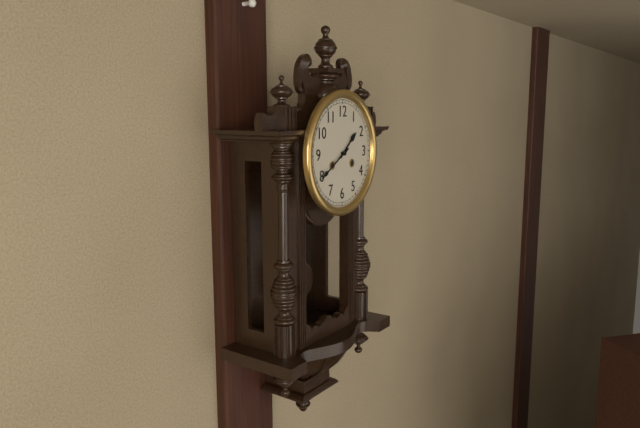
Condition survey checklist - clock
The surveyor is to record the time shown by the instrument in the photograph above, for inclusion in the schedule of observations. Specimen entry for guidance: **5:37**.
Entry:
**1:40**
